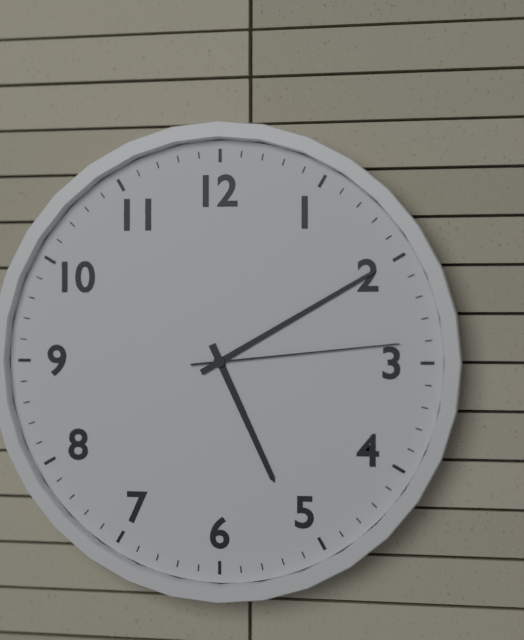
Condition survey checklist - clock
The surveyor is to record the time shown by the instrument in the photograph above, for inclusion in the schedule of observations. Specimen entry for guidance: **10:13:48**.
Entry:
**5:10:14**
